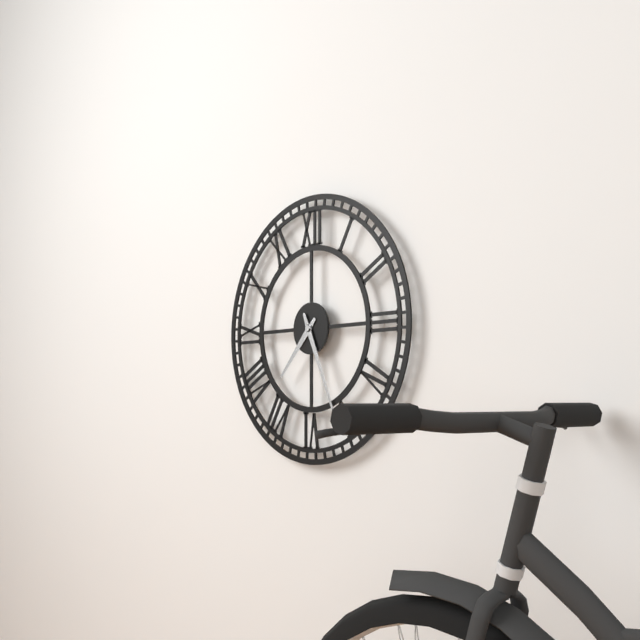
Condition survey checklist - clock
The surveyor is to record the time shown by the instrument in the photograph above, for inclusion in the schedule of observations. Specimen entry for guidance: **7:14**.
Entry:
**7:26**
